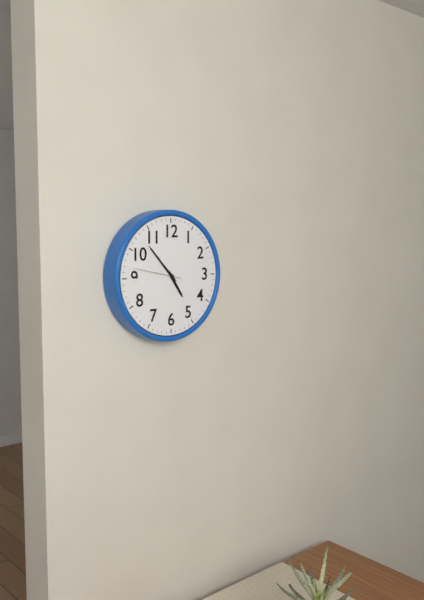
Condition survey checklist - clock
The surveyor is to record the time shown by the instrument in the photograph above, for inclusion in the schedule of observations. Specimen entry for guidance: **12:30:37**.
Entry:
**4:53:47**
